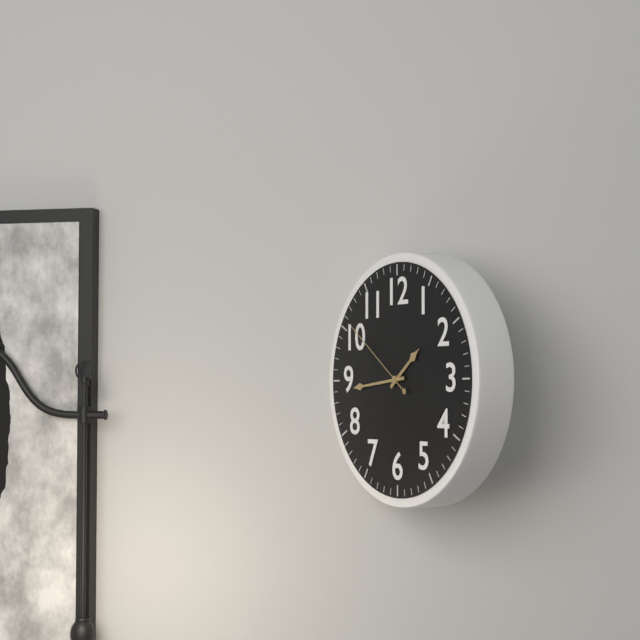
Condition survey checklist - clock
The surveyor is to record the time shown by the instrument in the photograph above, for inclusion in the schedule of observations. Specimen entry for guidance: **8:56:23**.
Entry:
**1:44:51**
